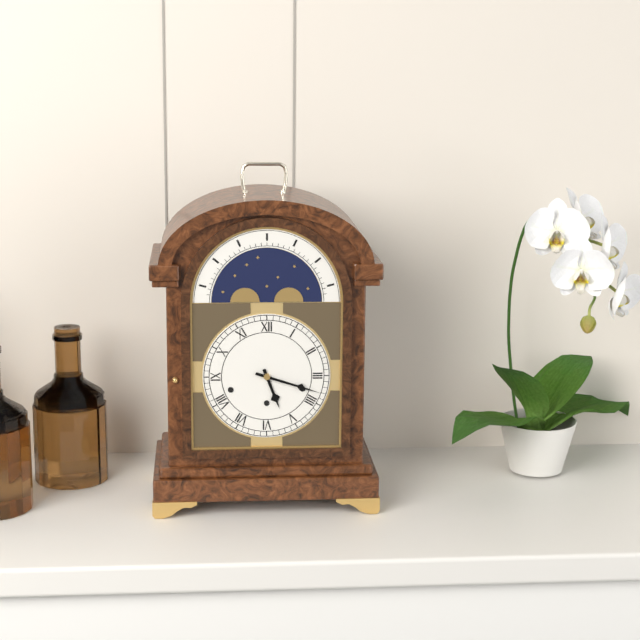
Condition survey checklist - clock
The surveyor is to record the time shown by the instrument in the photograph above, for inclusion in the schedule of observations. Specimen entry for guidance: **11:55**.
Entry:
**5:18**
